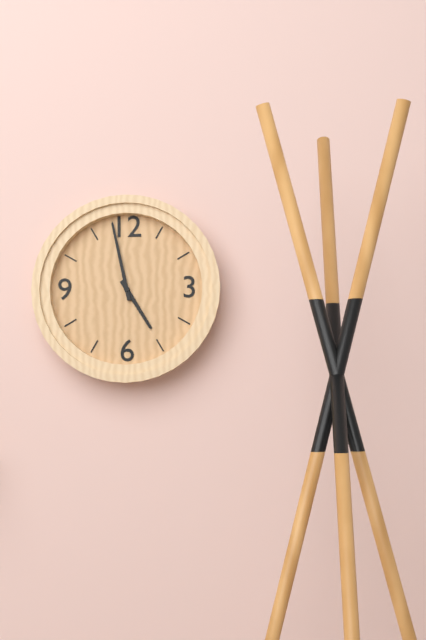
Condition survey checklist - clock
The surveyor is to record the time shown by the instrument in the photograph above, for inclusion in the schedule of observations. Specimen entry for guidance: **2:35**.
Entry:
**4:58**
